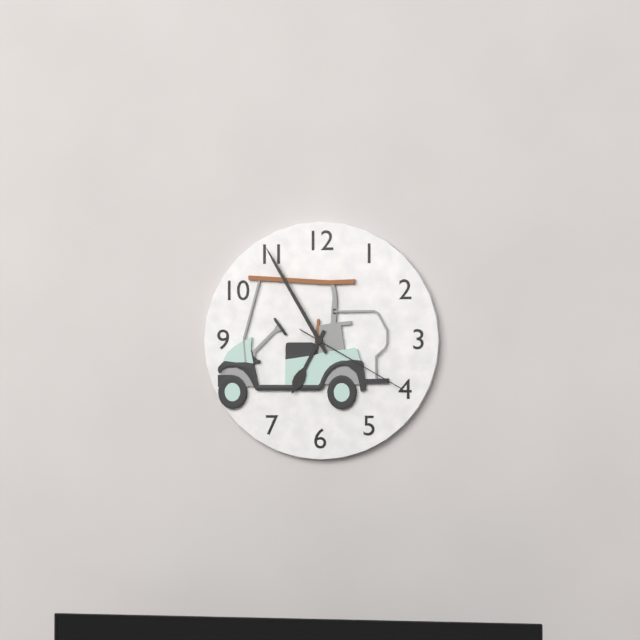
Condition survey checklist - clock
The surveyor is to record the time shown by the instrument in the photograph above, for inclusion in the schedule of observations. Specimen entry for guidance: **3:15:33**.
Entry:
**6:55:20**
